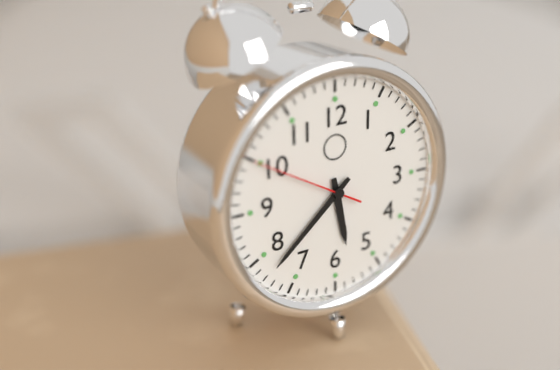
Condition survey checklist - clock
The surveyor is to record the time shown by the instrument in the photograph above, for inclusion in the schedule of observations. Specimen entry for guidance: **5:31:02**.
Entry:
**5:38:50**
